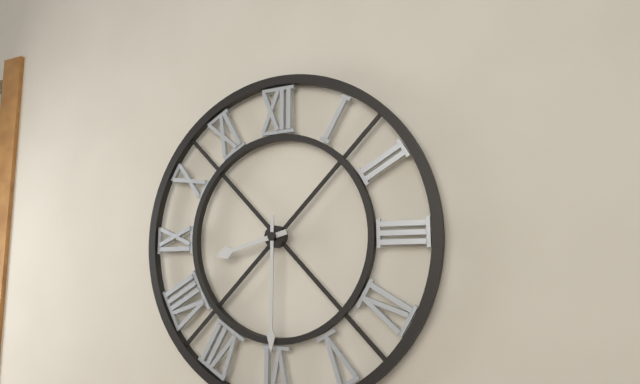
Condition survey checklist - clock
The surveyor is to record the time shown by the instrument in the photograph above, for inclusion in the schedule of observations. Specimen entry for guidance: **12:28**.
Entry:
**8:30**
